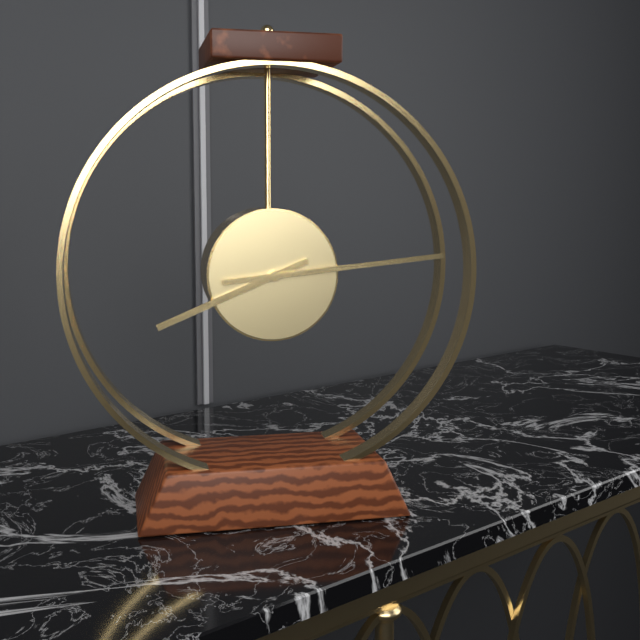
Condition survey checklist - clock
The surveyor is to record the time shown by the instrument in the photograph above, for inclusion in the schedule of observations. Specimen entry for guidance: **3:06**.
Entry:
**8:14**
